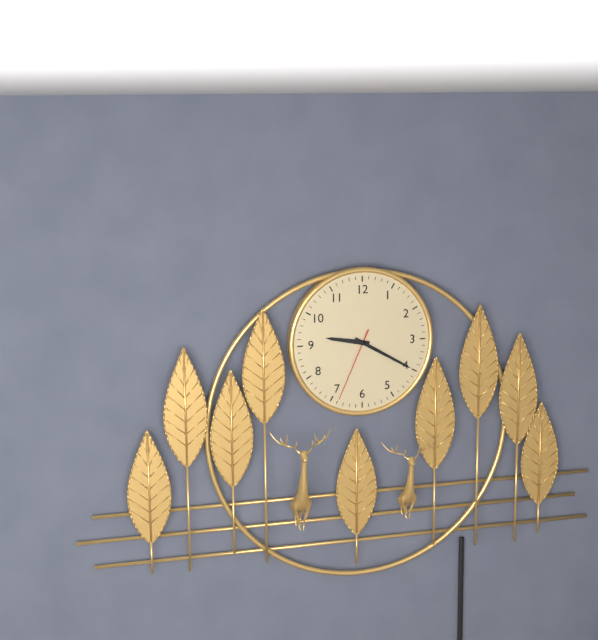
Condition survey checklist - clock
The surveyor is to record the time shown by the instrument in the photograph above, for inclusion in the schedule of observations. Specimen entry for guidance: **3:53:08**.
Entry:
**9:20:34**
